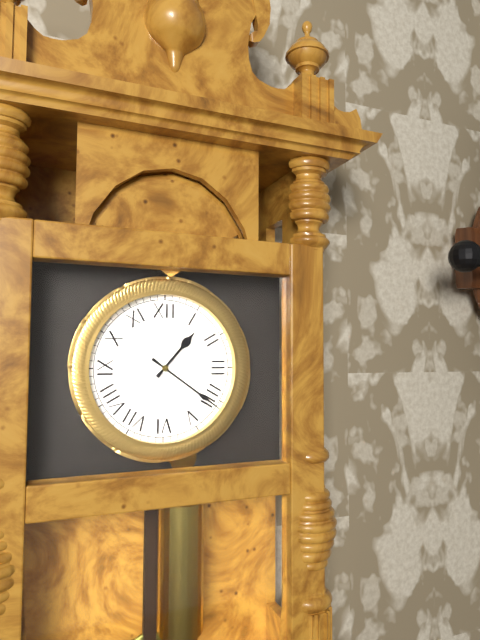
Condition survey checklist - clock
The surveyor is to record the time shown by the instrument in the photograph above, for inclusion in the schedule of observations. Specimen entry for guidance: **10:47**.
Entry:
**1:21**
